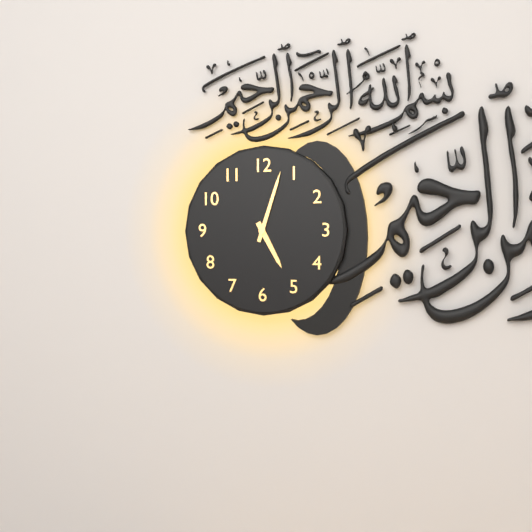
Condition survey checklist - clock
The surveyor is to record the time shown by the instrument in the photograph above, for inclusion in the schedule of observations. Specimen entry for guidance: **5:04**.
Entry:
**5:03**
